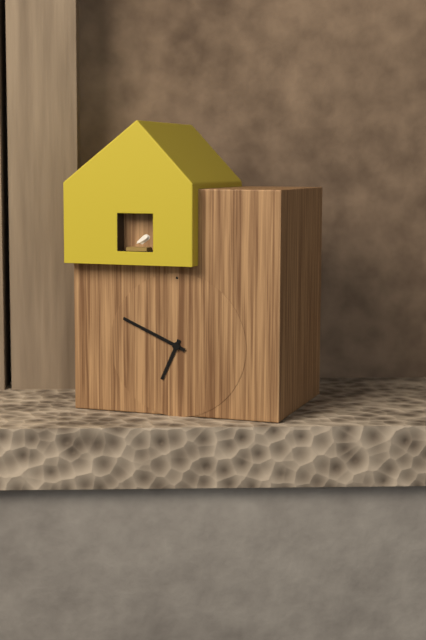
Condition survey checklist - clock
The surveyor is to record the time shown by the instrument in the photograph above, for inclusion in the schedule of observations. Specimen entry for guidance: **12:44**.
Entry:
**6:49**
